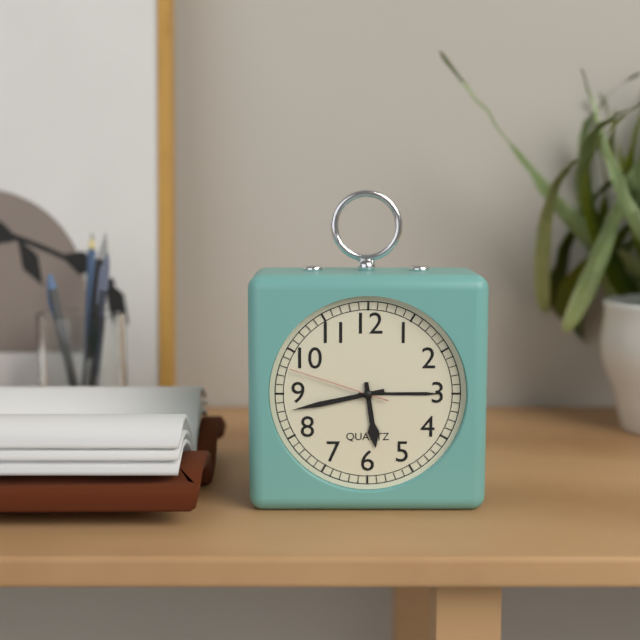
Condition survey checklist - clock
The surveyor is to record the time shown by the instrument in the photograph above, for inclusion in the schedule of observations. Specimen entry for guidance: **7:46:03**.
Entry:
**5:43:48**
